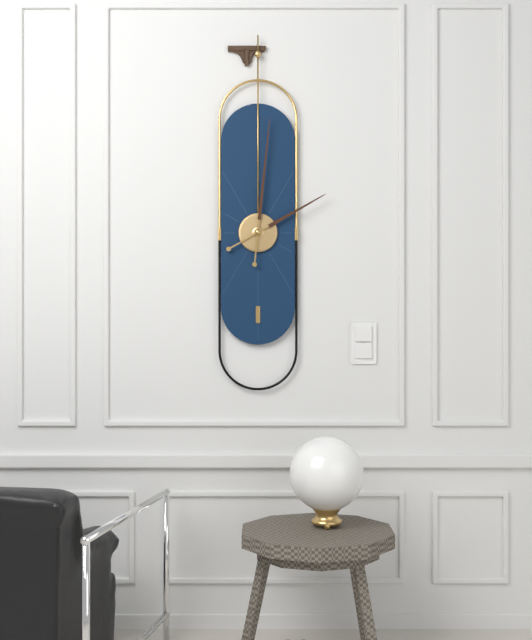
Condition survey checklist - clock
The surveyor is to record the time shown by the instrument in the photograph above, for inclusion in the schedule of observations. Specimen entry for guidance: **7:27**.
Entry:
**2:01**
